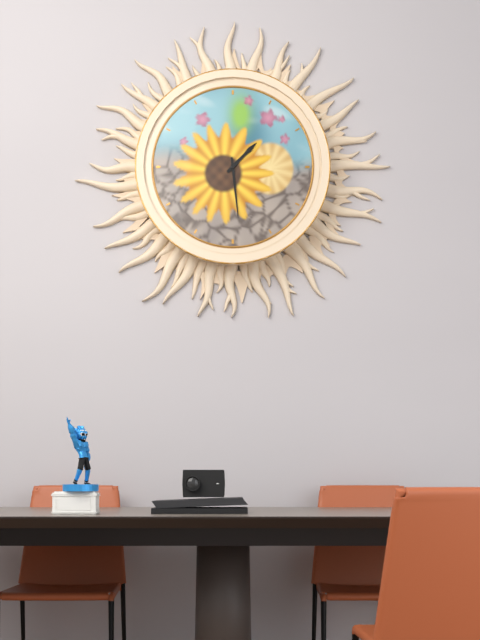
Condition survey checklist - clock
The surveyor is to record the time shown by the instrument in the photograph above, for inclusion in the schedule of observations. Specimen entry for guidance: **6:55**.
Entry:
**1:29**
